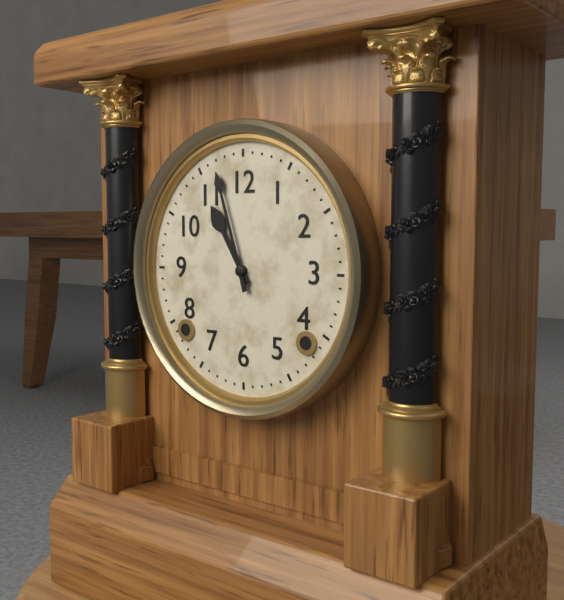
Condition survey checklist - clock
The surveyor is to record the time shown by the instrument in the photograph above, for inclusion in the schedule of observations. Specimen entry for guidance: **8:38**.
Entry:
**10:57**
